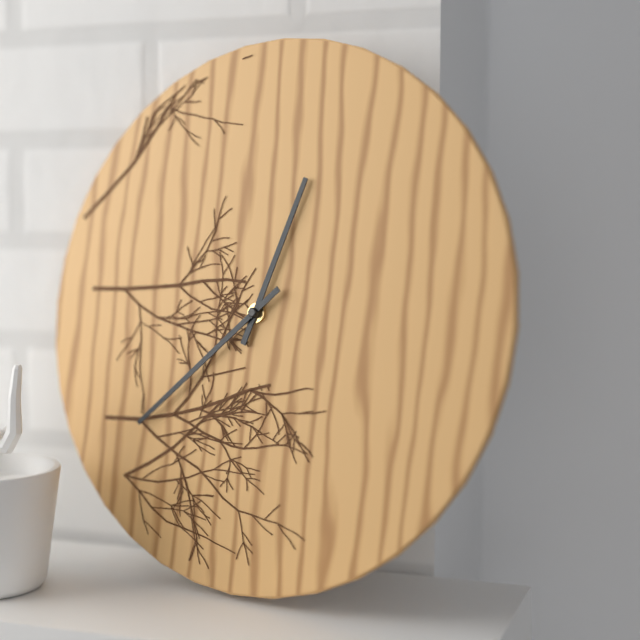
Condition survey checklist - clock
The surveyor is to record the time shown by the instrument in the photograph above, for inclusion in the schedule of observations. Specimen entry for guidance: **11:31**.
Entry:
**12:38**
